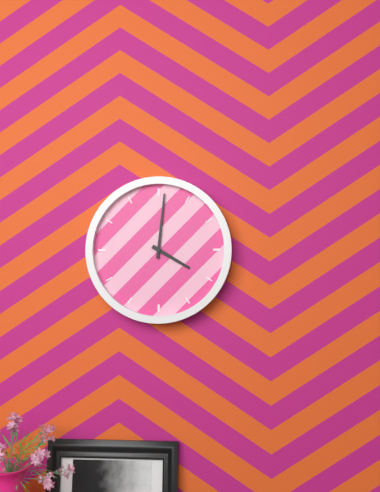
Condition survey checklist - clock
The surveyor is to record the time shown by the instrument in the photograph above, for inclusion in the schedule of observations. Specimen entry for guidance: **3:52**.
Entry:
**4:01**
